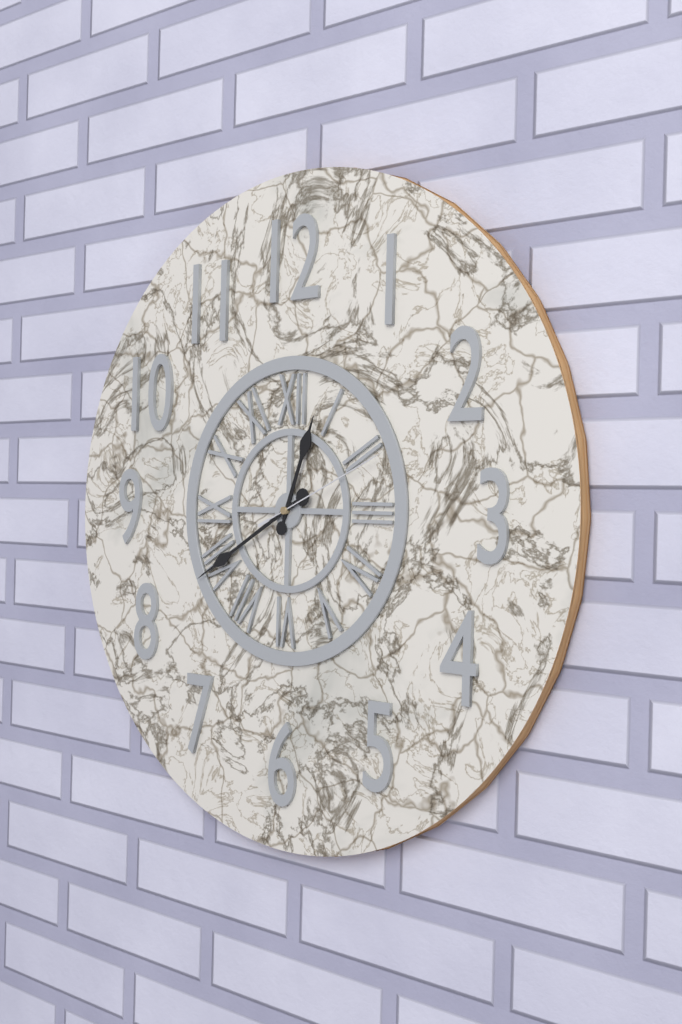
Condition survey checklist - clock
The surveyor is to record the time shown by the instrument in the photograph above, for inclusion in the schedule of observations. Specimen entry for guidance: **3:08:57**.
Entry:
**12:40:11**
